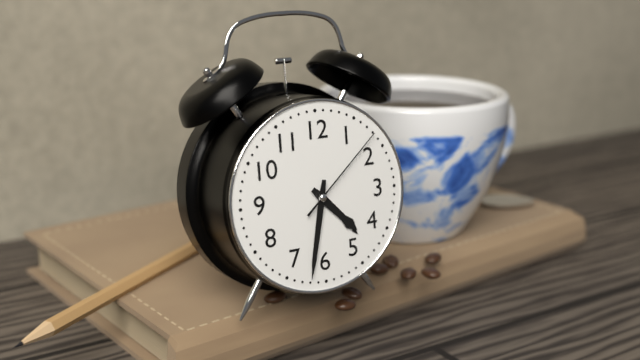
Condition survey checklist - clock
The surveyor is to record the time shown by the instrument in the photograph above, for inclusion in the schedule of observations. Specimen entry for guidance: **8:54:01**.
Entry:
**4:32:08**
